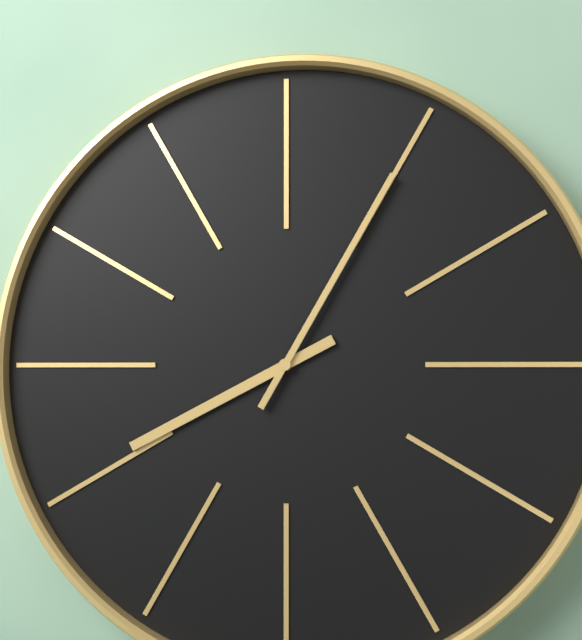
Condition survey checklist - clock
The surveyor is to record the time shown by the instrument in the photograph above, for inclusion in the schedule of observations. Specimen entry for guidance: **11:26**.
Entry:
**8:05**
